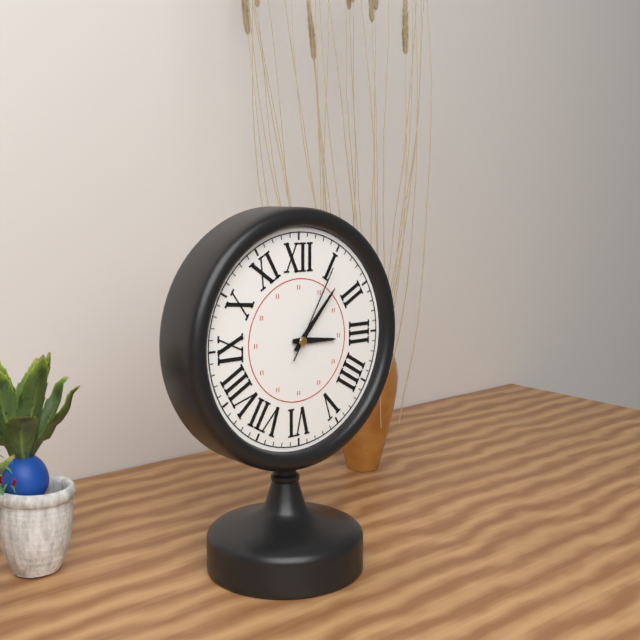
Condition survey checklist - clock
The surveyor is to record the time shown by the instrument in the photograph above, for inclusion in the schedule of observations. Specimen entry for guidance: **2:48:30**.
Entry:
**3:07:05**
